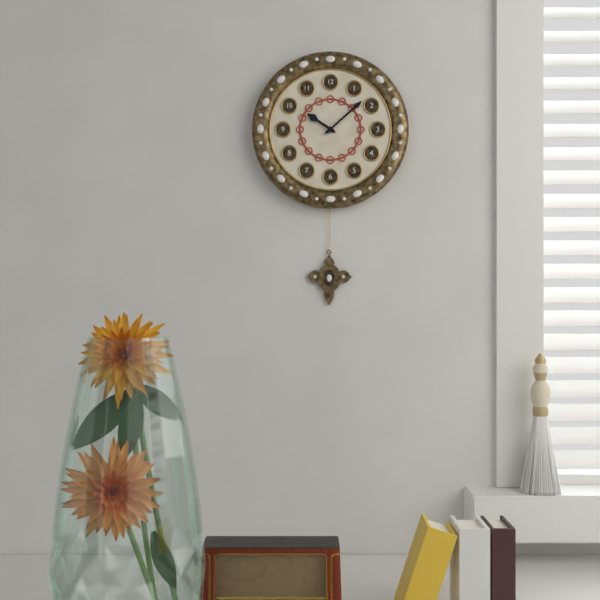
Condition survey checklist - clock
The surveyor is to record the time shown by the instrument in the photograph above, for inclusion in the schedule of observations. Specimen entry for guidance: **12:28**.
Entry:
**10:08**
